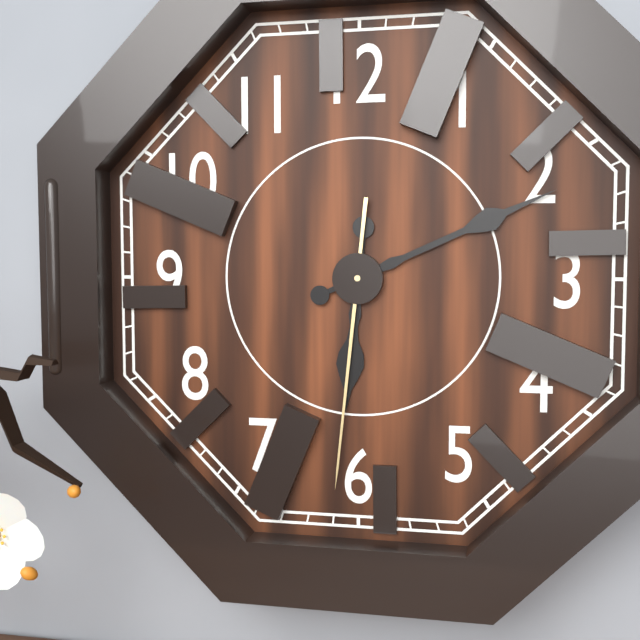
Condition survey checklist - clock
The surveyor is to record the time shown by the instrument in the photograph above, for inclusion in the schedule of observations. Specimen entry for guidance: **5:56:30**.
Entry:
**6:11:31**
